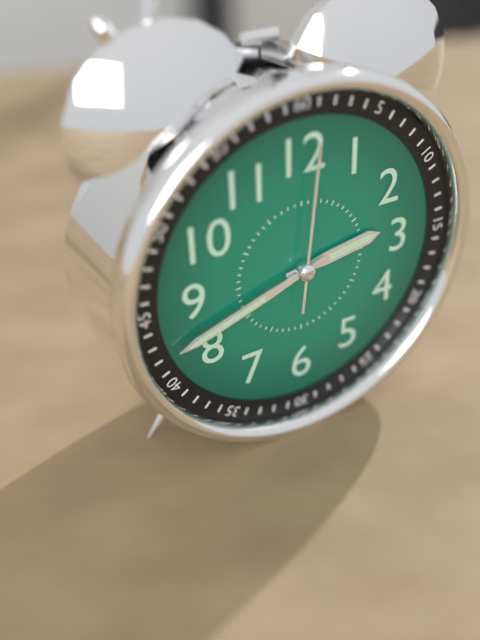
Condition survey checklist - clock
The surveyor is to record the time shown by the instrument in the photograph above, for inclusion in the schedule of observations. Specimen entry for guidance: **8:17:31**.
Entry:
**2:42:01**
